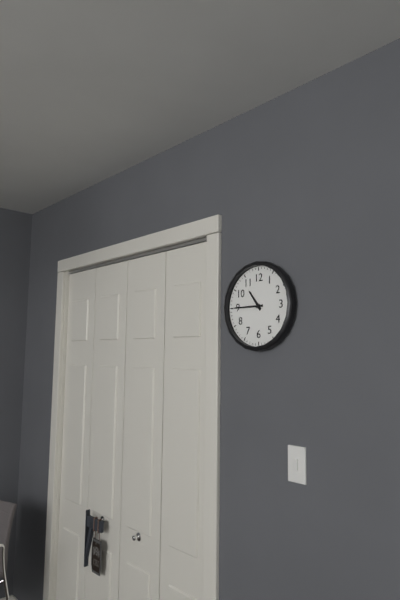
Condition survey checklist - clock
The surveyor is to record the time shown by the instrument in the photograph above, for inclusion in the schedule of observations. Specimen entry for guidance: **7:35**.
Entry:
**10:45**
